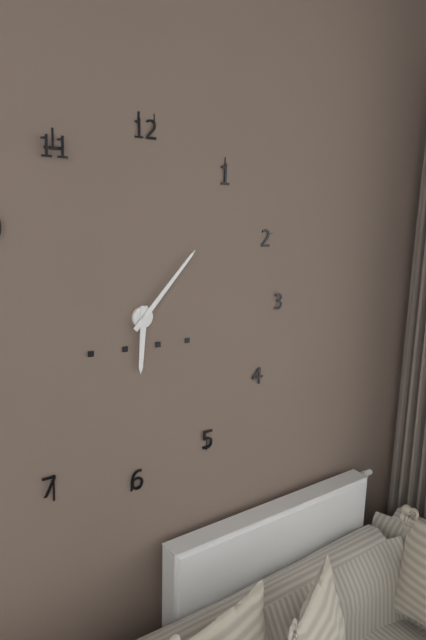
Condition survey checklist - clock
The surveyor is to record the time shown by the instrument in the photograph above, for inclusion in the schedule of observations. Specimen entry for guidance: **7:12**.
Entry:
**6:07**
